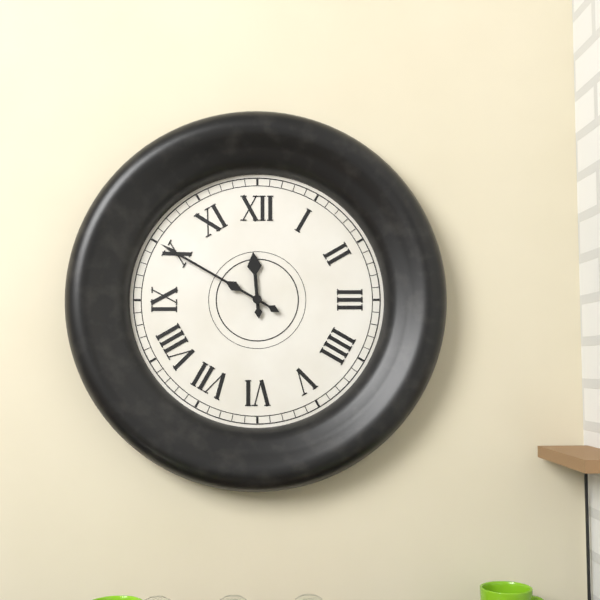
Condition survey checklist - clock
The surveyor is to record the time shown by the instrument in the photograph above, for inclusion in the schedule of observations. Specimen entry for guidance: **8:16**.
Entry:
**11:50**
